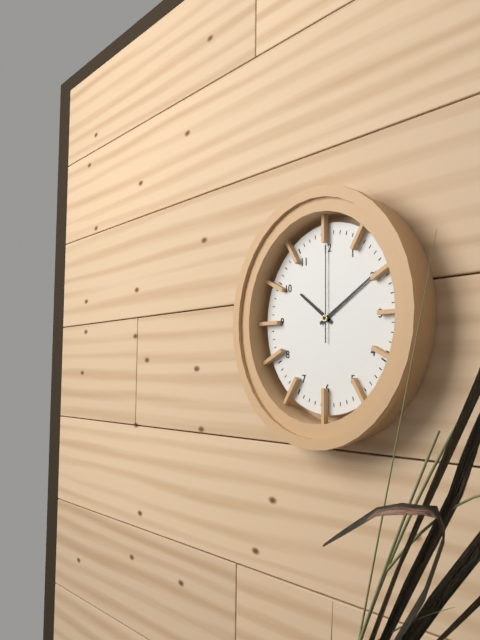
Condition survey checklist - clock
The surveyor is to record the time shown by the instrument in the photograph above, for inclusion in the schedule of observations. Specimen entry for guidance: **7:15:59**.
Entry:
**10:10:00**
